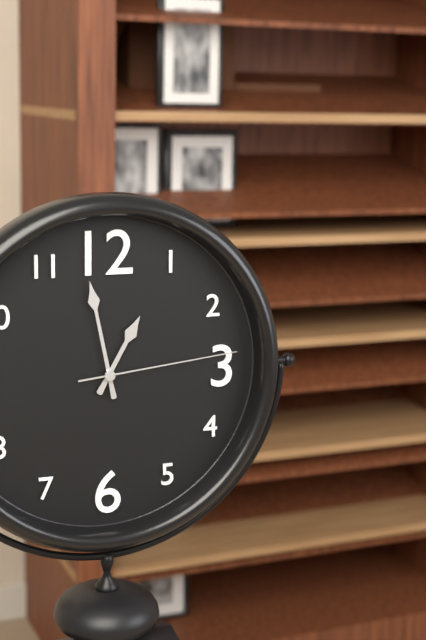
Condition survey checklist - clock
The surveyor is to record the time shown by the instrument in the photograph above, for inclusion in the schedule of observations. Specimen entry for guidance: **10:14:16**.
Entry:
**12:58:14**
